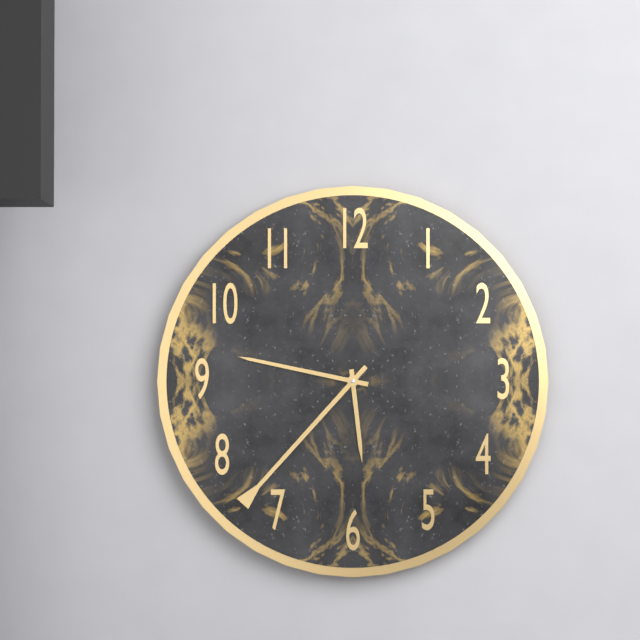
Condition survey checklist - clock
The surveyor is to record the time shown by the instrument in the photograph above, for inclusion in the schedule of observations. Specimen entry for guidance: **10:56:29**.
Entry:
**5:47:37**
